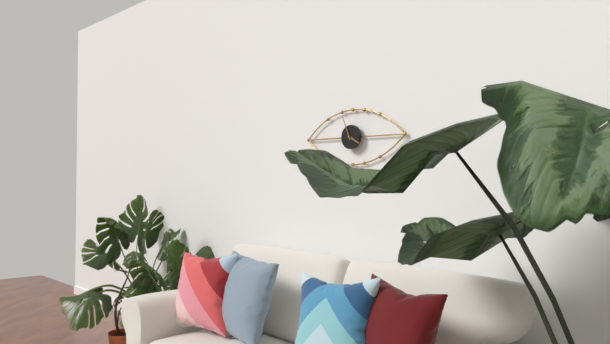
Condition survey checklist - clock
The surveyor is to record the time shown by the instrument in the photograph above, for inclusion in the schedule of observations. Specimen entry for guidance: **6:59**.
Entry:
**3:56**
